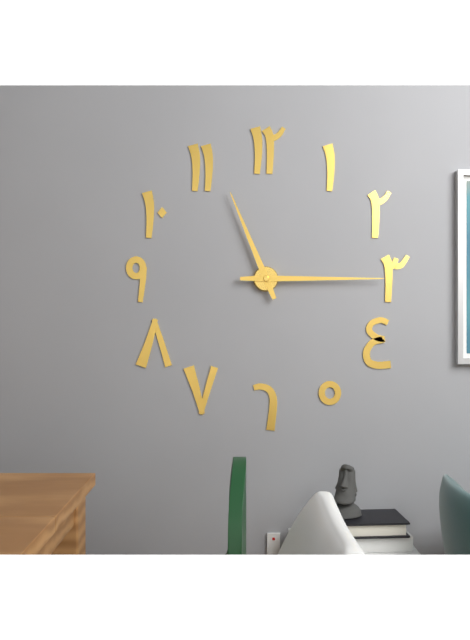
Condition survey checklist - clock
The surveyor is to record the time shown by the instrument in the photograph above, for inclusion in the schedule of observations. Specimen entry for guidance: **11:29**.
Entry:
**11:15**
